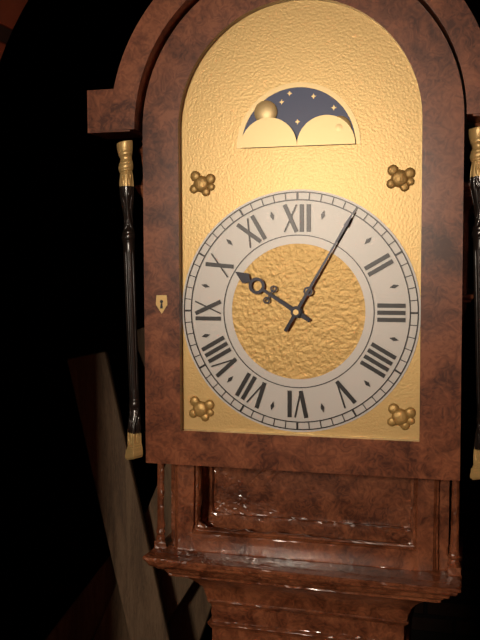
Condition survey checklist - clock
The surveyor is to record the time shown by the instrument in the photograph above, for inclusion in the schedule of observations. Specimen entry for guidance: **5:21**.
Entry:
**10:05**
